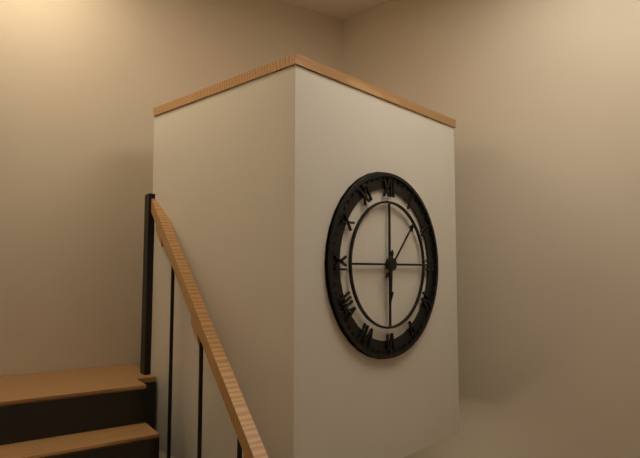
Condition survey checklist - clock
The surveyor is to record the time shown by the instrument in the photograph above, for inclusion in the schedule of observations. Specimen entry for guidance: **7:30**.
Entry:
**6:07**
